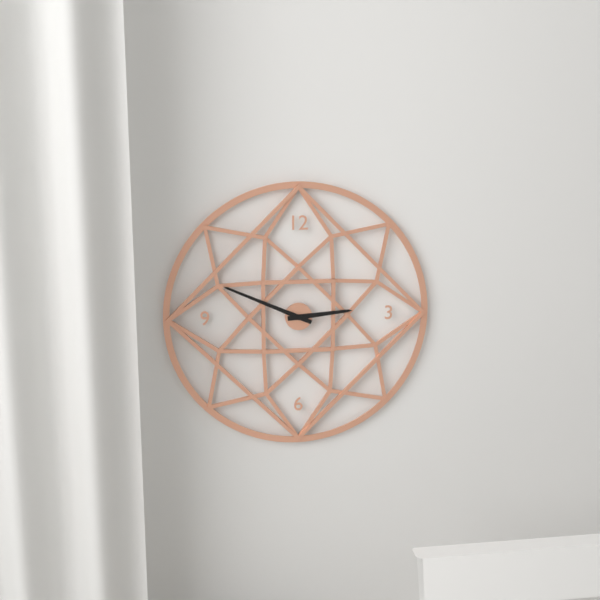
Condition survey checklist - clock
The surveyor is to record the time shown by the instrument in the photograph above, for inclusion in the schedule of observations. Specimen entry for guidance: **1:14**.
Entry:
**2:49**
